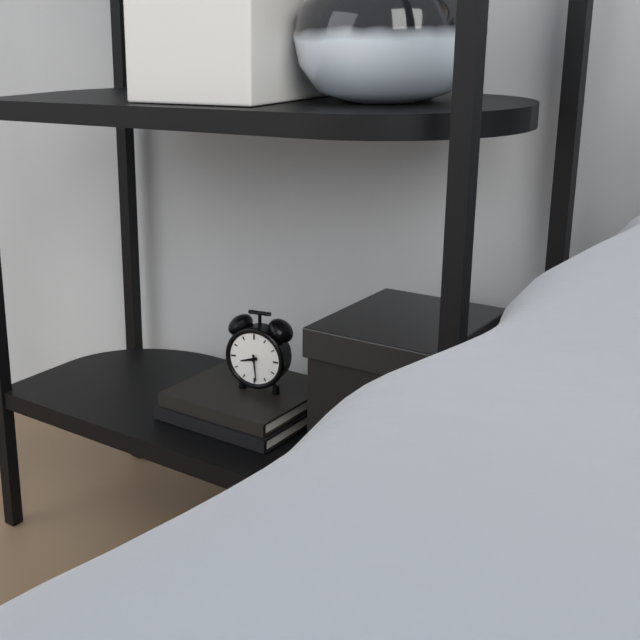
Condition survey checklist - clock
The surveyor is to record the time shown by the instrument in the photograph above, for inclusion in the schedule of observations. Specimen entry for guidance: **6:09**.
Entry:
**8:29**
